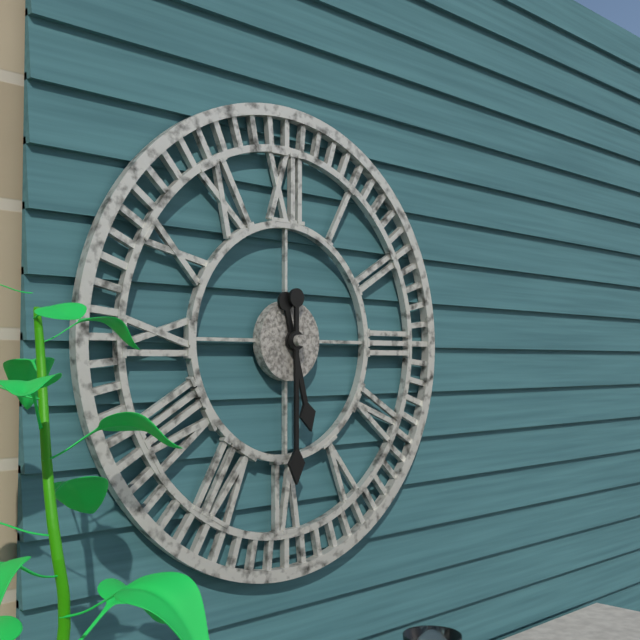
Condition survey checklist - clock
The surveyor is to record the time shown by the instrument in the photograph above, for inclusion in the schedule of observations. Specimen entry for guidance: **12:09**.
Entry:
**5:30**
